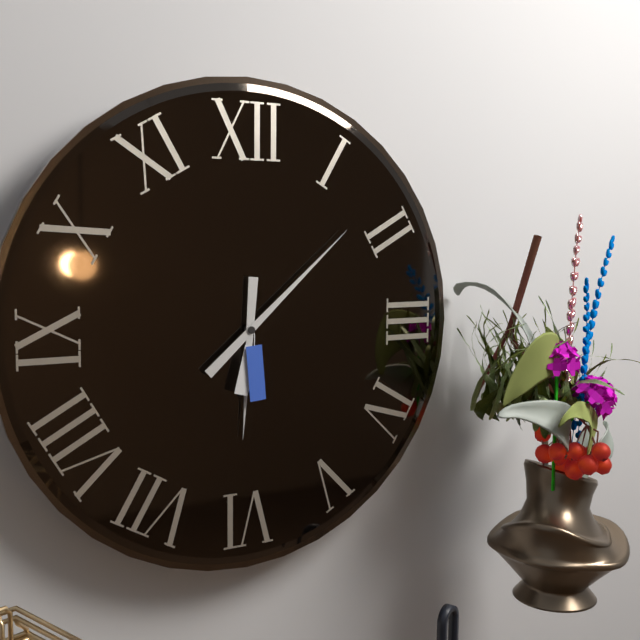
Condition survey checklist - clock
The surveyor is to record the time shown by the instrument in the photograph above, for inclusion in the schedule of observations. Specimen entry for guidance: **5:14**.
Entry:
**6:08**
